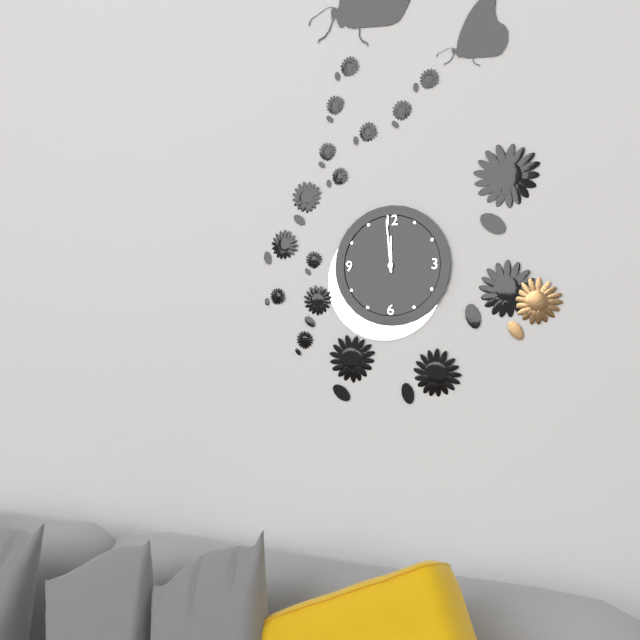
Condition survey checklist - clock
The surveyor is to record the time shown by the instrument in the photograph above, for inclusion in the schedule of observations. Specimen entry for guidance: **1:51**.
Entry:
**11:59**
